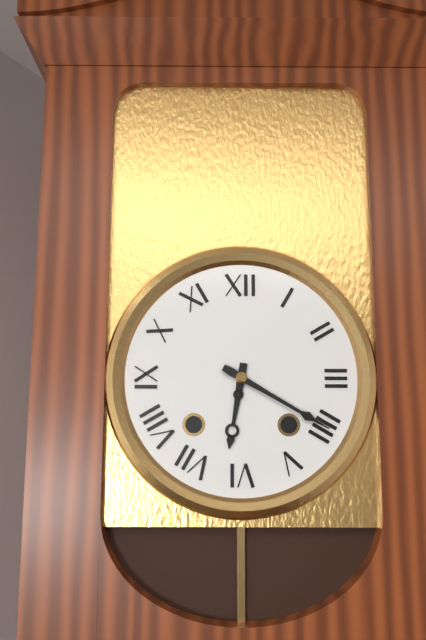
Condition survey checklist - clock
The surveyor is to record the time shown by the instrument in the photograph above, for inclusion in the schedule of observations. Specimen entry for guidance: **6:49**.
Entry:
**6:20**
